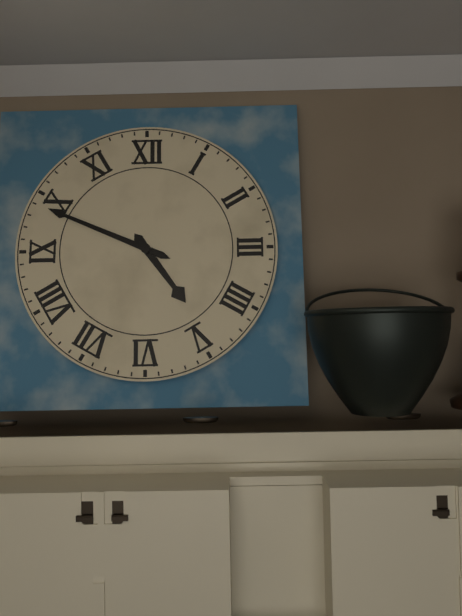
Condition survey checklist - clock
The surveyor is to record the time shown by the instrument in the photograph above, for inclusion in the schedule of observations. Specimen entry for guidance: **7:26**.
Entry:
**4:49**
